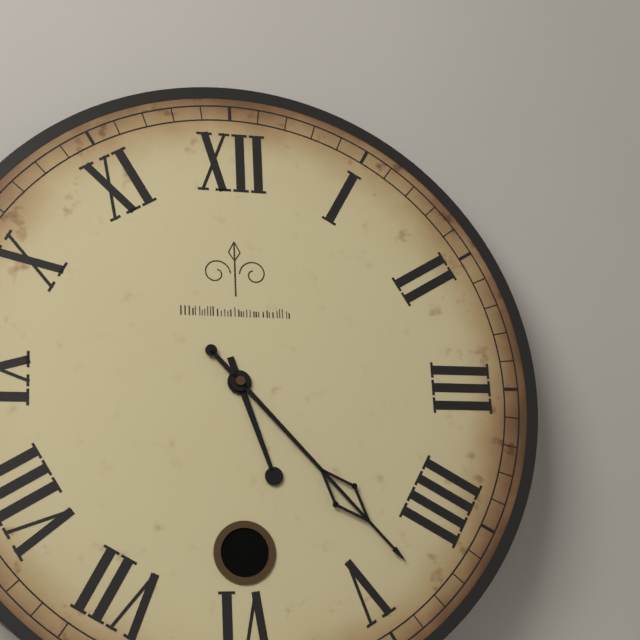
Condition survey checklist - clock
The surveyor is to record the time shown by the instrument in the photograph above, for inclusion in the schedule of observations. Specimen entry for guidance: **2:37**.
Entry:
**5:23**
